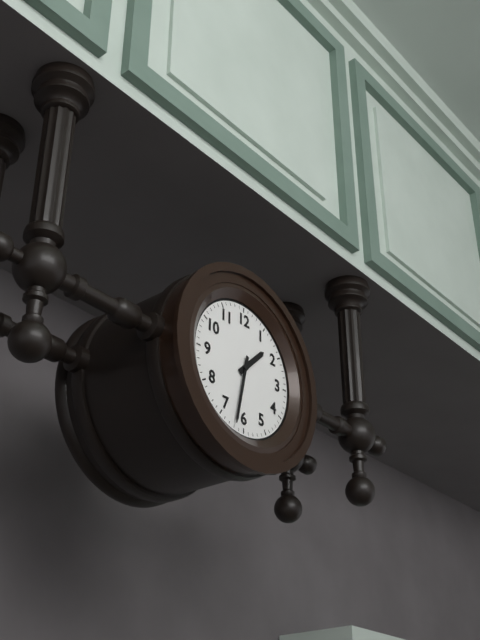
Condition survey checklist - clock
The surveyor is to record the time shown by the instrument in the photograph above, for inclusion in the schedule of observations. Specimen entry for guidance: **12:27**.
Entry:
**1:32**
